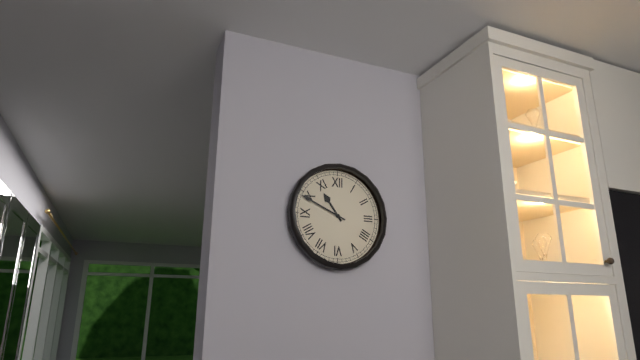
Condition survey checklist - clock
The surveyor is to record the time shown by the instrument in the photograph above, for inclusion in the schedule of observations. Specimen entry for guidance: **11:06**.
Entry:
**10:49**
